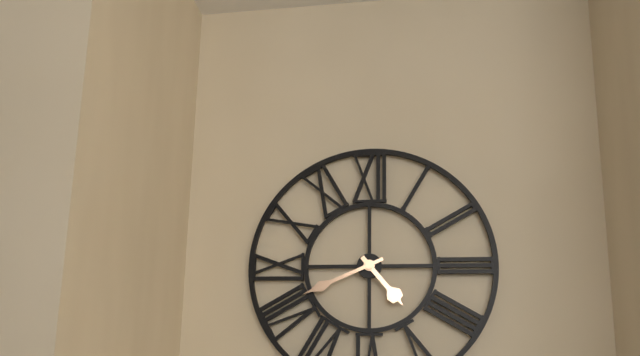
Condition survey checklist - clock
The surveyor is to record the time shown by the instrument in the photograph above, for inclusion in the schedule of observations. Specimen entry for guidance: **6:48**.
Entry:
**4:41**
